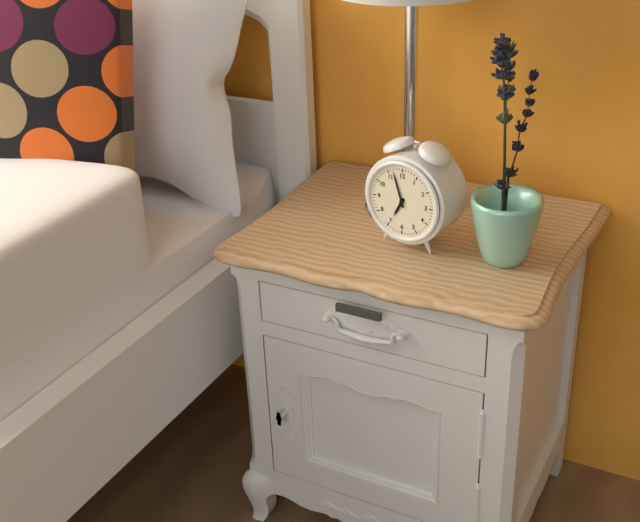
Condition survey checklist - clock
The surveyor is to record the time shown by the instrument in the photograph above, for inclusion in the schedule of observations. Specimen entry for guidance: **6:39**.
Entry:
**6:57**
